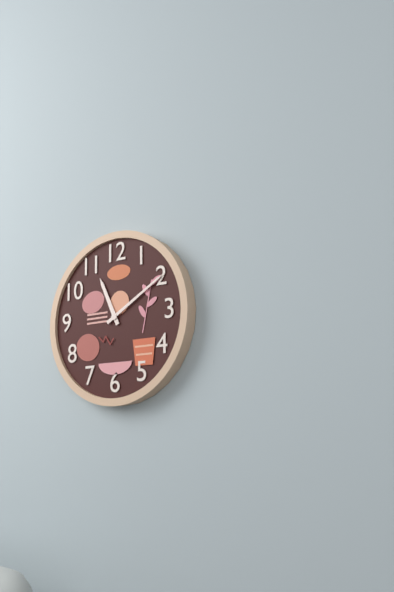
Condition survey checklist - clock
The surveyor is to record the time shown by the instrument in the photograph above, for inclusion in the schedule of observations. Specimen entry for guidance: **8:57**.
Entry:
**11:10**
